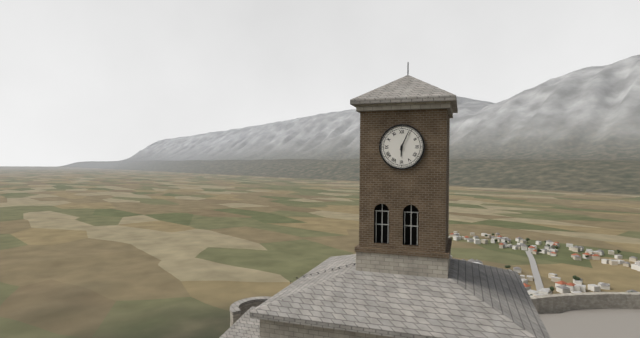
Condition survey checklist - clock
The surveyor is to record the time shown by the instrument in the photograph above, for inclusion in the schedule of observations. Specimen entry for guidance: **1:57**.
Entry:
**6:04**
